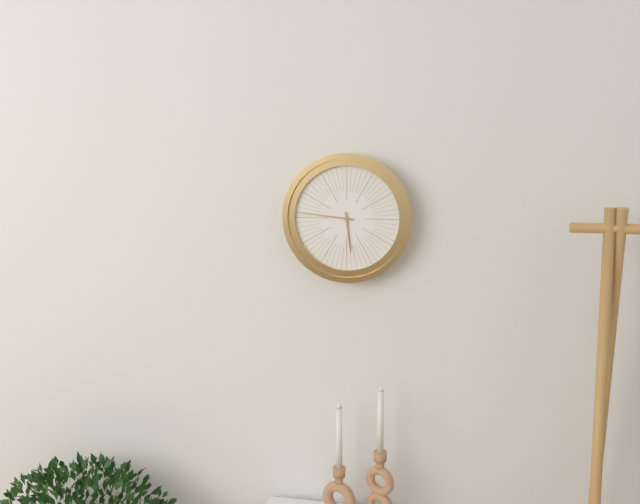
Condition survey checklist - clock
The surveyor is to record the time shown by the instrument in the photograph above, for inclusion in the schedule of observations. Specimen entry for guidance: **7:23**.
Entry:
**5:46**
